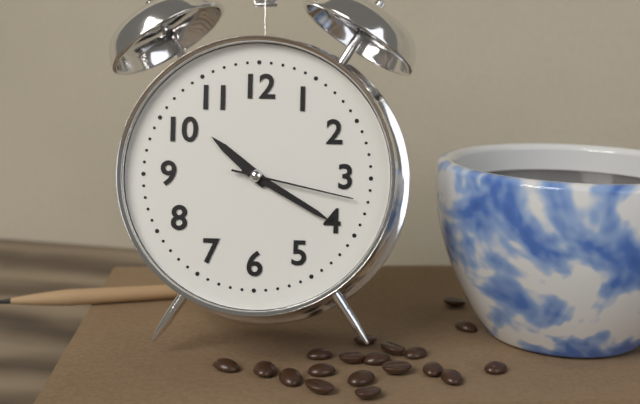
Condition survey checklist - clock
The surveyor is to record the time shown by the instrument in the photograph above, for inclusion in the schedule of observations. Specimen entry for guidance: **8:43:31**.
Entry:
**10:20:17**
